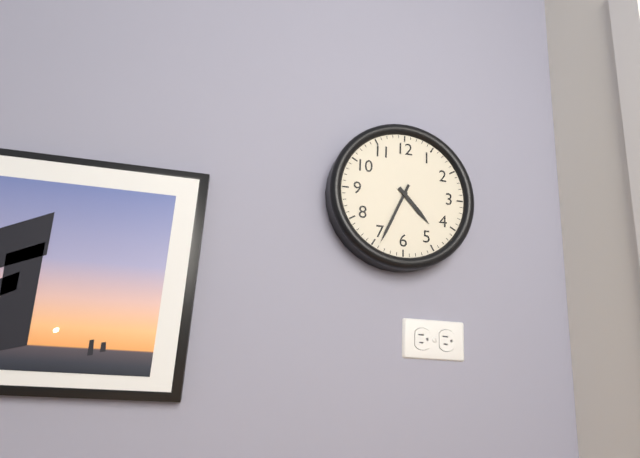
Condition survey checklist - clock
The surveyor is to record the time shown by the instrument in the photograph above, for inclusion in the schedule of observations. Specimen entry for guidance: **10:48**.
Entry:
**4:34**
